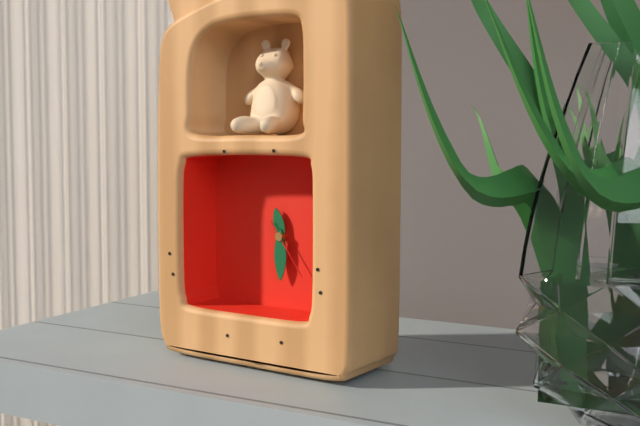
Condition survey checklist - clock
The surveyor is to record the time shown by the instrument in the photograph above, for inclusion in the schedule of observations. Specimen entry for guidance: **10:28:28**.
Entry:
**11:30:24**
